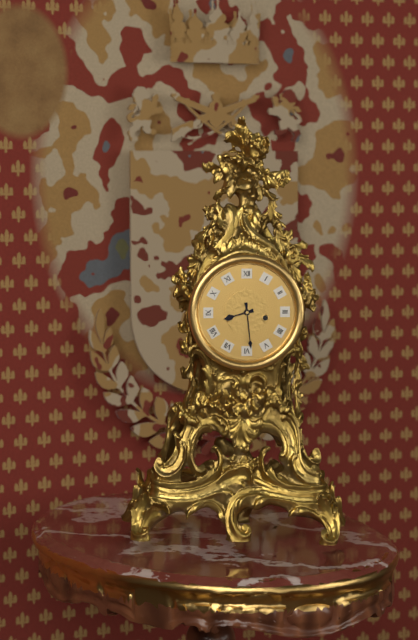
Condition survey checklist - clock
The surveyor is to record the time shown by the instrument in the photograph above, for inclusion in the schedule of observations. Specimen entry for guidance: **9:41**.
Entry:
**8:29**
